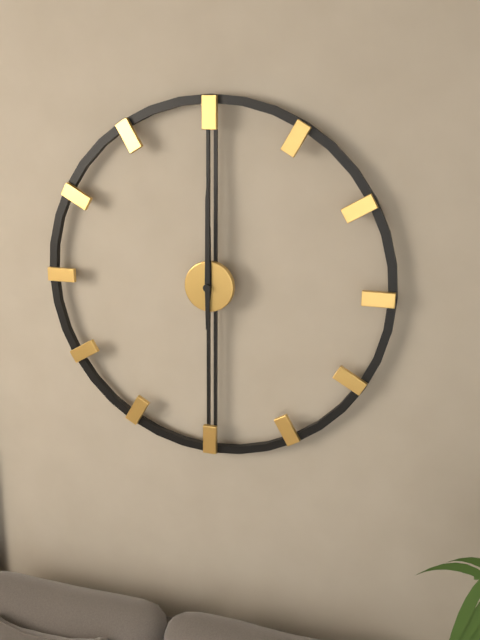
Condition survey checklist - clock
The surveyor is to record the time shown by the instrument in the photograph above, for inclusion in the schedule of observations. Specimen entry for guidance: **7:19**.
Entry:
**12:00**
